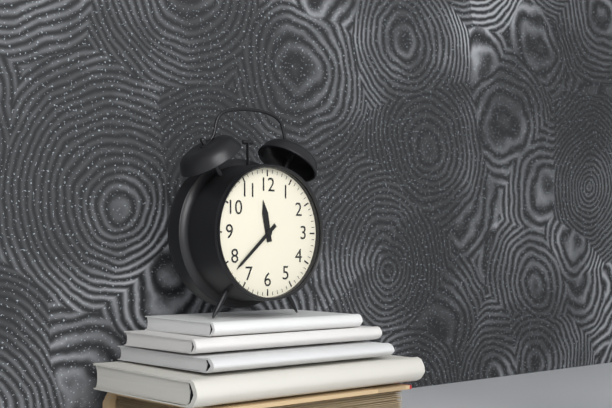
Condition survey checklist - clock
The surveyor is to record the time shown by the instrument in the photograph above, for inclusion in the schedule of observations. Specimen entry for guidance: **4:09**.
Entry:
**11:38**
